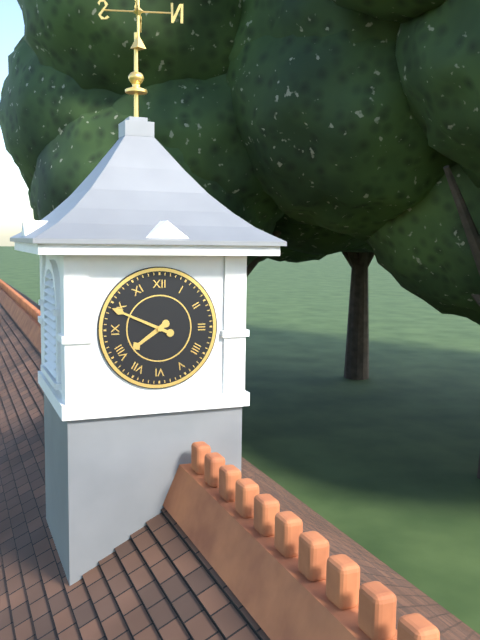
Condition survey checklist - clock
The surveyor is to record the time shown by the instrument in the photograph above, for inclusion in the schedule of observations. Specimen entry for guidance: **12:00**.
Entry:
**7:49**
